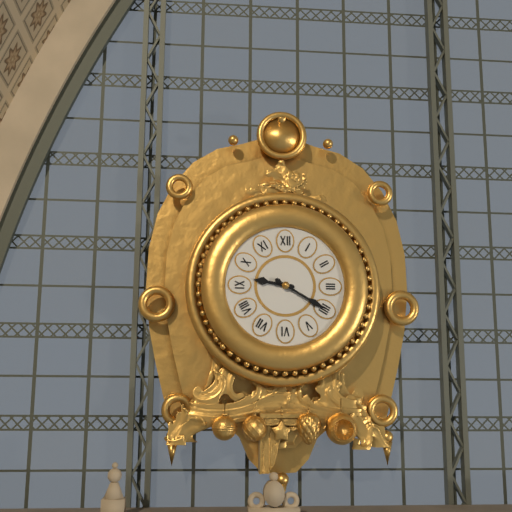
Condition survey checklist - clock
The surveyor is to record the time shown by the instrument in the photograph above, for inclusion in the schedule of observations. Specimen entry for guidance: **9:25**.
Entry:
**9:20**
